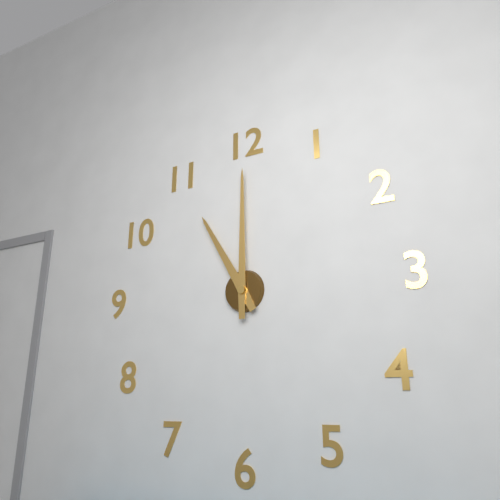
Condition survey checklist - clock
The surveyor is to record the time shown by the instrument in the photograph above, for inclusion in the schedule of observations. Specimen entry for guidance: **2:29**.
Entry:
**11:00**
